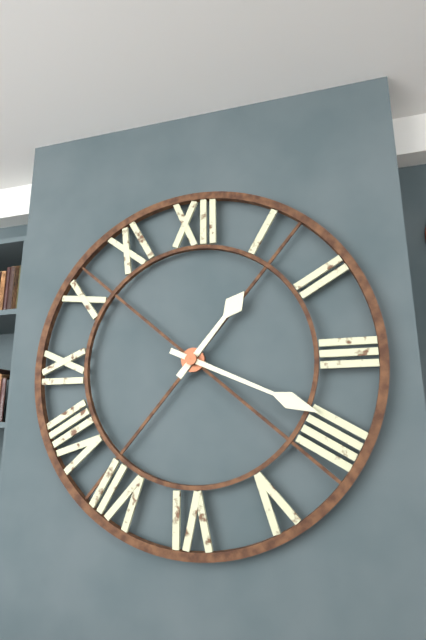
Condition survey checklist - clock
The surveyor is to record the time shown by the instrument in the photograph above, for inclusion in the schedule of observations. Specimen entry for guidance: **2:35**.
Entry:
**1:19**
